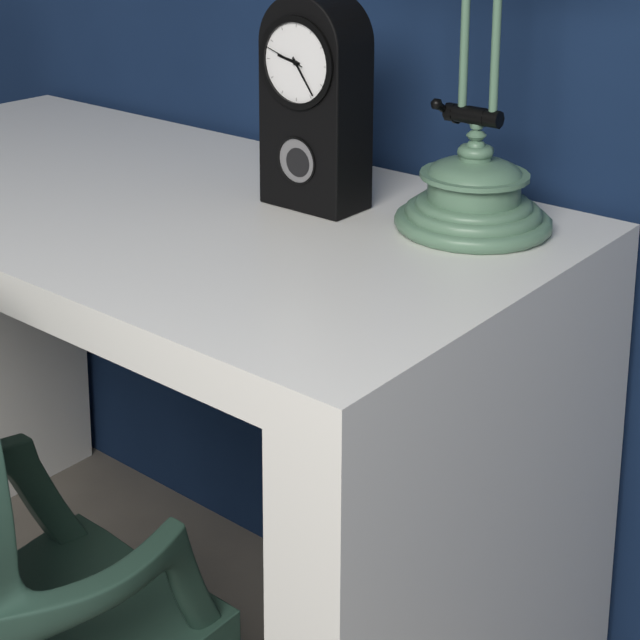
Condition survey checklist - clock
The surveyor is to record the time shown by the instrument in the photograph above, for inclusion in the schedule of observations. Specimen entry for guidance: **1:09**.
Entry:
**9:24**
